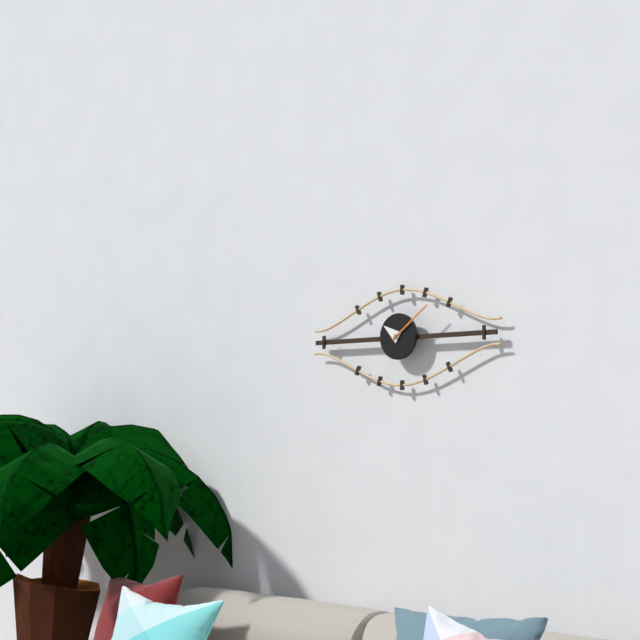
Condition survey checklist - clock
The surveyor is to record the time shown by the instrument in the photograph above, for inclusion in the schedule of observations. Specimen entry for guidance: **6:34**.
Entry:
**10:09**
